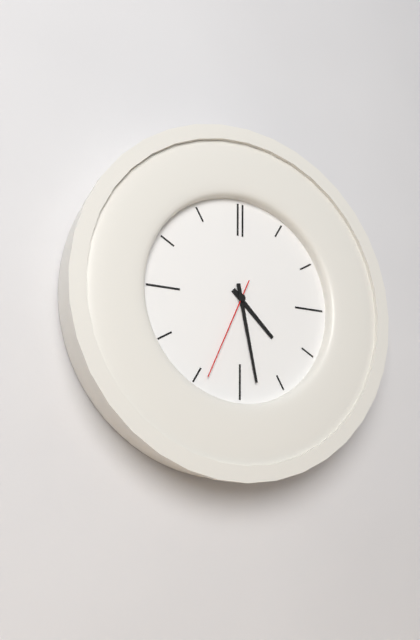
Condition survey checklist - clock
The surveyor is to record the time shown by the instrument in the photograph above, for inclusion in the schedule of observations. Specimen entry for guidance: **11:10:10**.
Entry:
**4:28:34**
